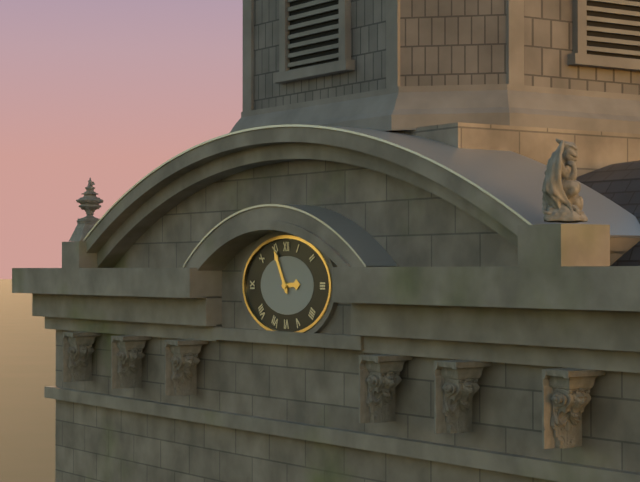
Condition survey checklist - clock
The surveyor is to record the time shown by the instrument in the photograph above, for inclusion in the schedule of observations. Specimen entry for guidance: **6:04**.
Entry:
**2:55**
